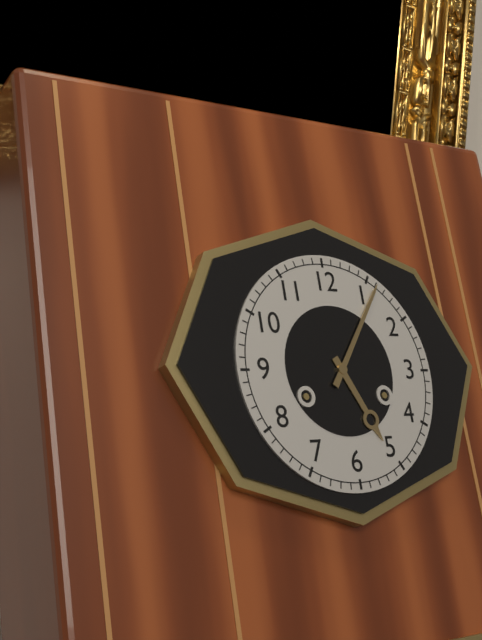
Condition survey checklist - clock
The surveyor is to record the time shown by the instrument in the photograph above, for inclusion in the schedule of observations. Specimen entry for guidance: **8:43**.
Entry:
**5:06**
